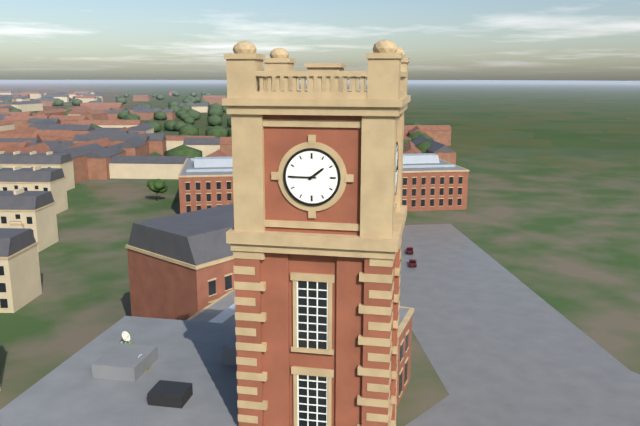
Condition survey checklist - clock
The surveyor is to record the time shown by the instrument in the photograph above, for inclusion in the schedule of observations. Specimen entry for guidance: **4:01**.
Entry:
**1:45**
